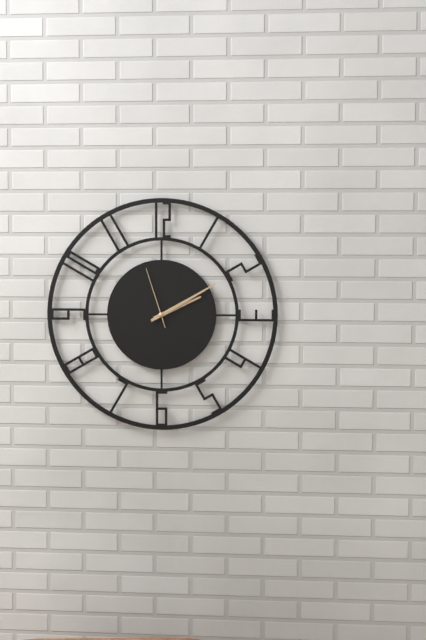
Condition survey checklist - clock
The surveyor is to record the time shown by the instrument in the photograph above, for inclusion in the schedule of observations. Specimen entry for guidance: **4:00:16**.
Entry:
**2:10:57**
